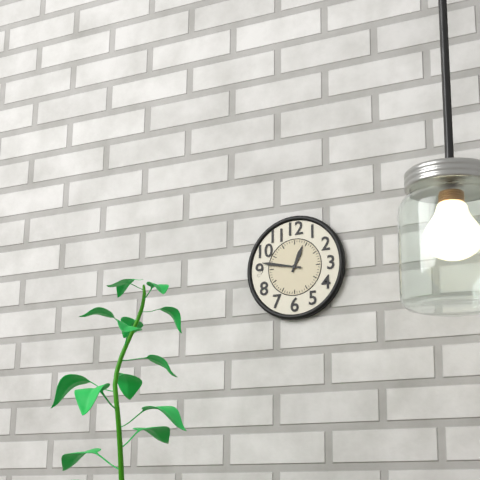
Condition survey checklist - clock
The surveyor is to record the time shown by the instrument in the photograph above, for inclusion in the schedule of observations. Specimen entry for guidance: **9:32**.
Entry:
**12:47**
